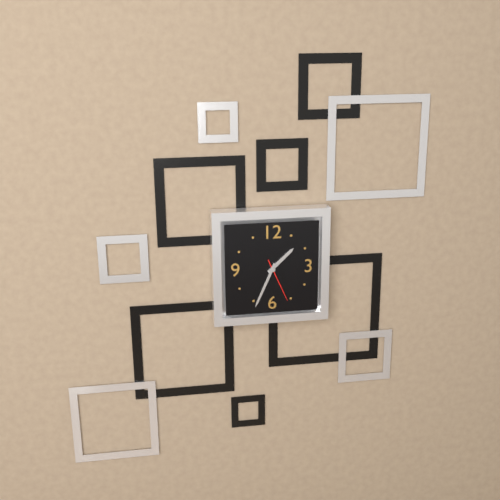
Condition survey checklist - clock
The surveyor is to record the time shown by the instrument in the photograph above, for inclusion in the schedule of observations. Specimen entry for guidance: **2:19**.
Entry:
**1:34**
